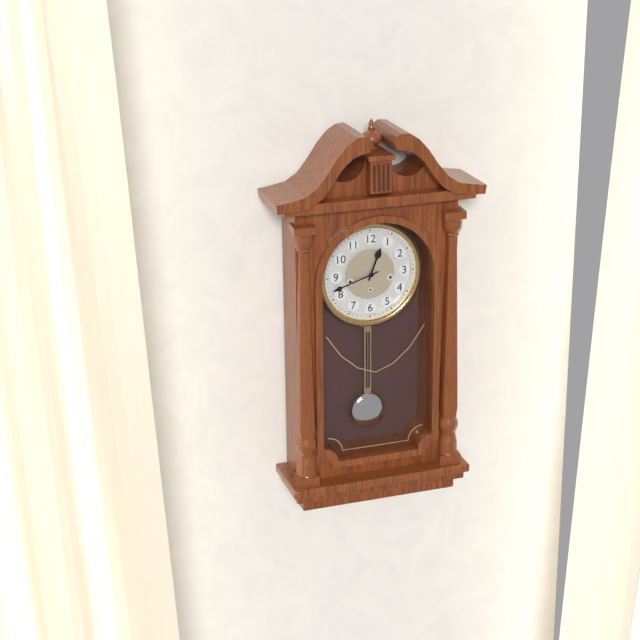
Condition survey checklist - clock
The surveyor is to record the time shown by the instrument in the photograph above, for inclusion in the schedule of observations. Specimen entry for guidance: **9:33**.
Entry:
**12:42**
